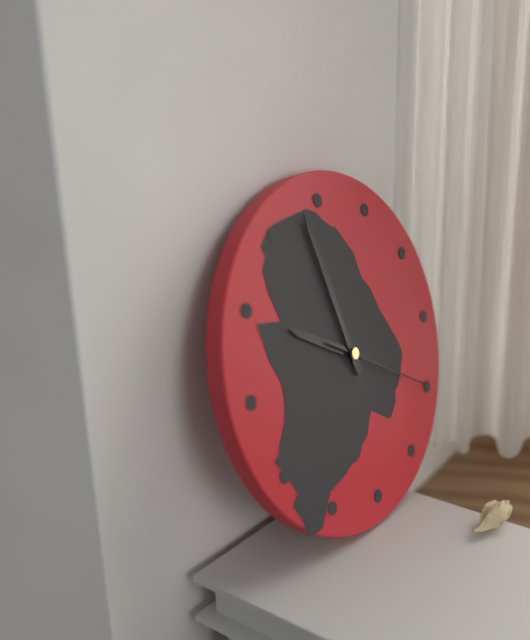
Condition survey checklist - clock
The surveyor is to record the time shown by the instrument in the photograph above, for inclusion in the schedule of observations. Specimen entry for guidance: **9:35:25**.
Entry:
**9:58:20**
